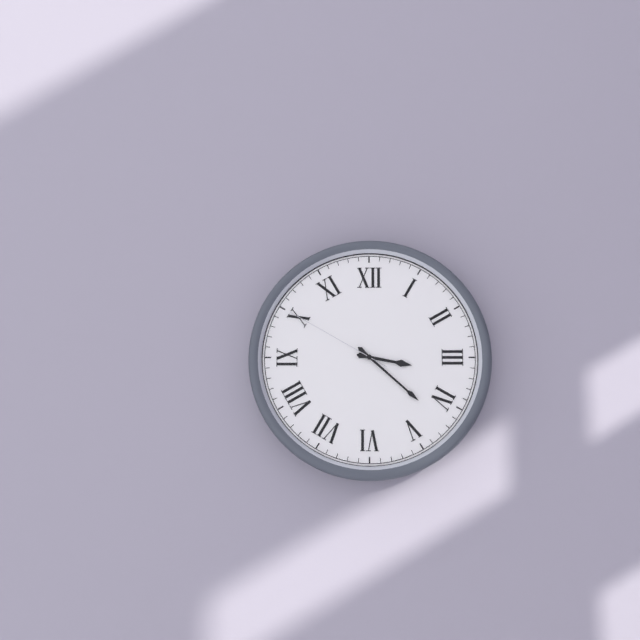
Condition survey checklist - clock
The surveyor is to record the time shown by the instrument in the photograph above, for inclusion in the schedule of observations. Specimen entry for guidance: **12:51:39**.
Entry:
**3:22:50**
